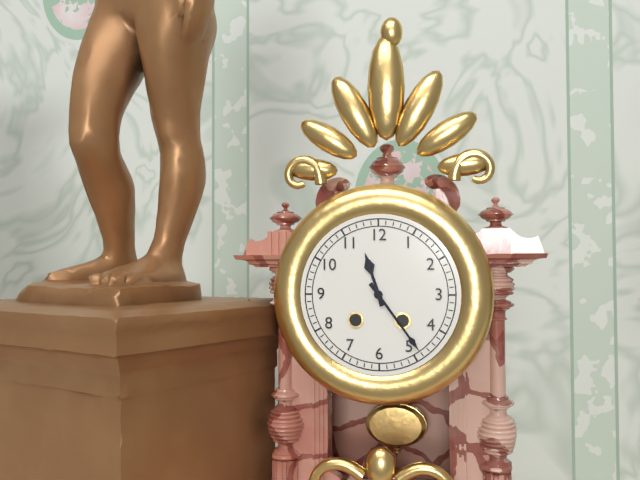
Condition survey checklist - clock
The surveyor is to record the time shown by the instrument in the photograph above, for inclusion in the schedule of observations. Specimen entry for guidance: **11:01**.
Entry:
**11:24**
